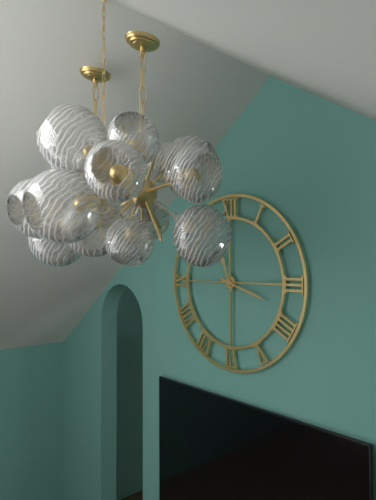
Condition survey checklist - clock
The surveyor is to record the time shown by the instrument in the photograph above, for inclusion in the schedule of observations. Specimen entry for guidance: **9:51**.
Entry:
**11:18**
